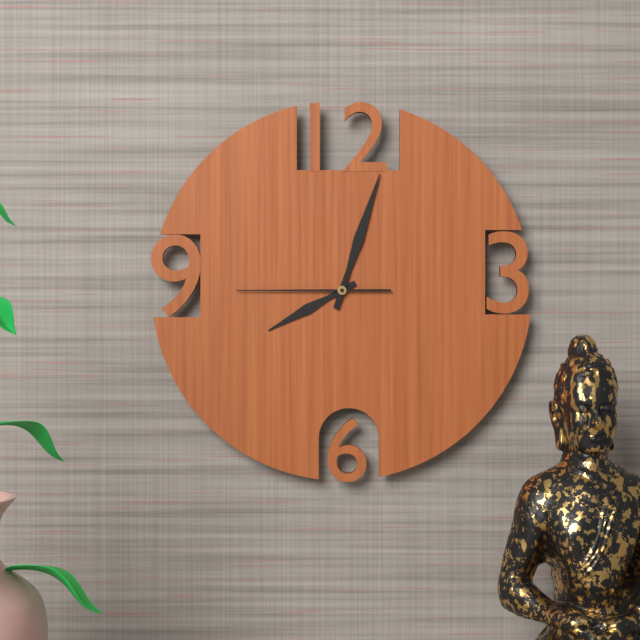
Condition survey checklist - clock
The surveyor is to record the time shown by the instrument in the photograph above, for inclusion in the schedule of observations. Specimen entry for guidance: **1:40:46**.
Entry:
**8:03:45**
